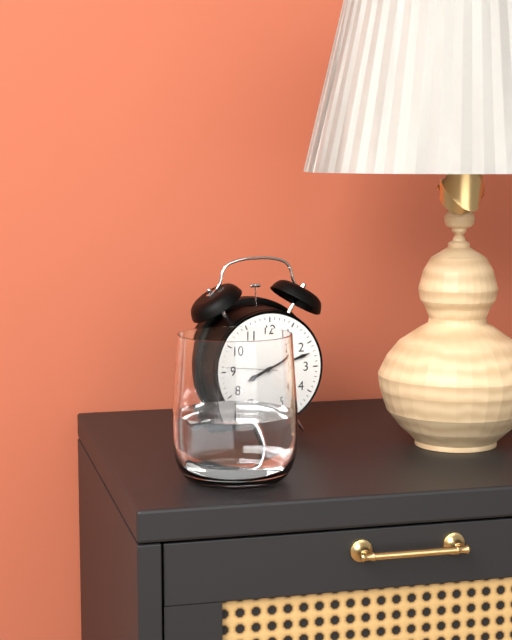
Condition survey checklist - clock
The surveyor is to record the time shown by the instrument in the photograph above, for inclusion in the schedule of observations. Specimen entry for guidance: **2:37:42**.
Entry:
**8:12:46**
